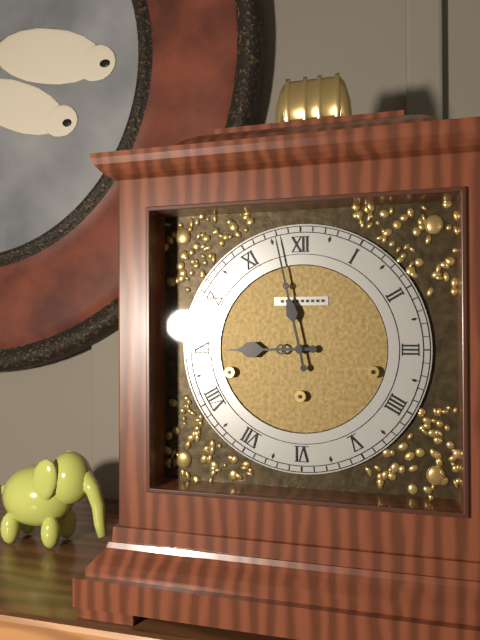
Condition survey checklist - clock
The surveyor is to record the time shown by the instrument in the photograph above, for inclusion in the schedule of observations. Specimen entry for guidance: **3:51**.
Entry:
**8:58**
